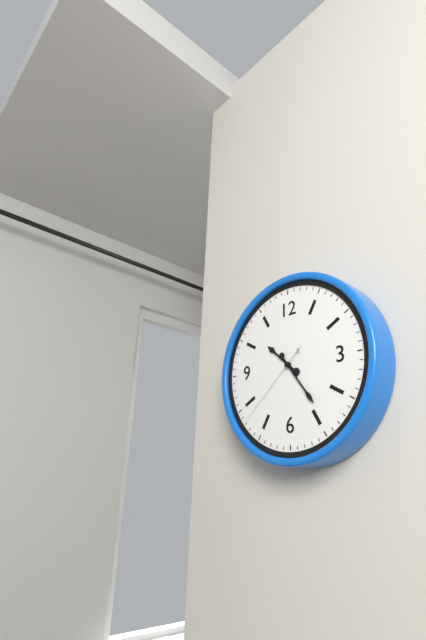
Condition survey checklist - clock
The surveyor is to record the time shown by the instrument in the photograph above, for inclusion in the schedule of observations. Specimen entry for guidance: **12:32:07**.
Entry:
**10:24:38**
